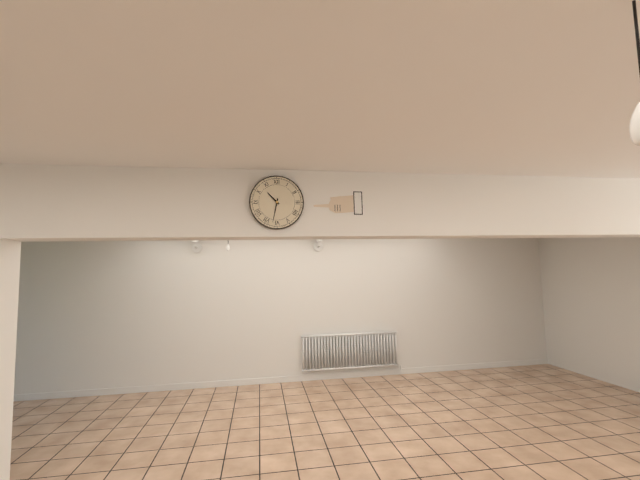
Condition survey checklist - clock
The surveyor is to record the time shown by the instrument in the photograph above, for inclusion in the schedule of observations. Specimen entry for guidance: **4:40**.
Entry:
**10:32**
